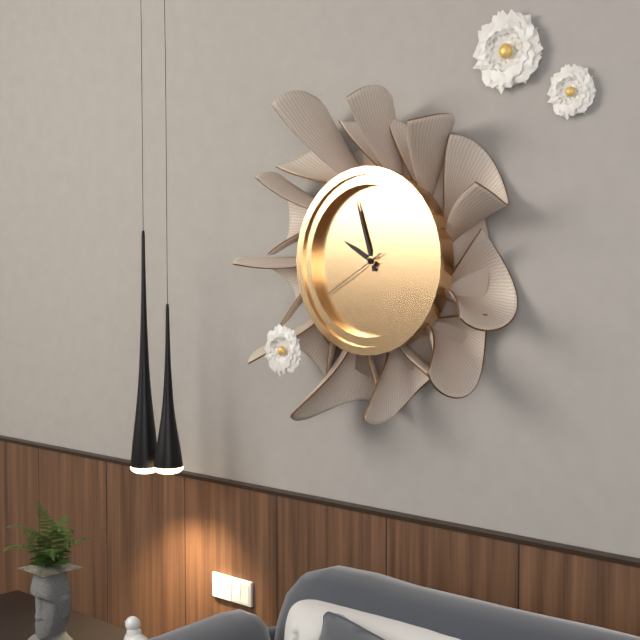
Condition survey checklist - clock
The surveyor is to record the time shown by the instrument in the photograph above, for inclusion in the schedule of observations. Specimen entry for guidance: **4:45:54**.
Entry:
**9:57:40**
